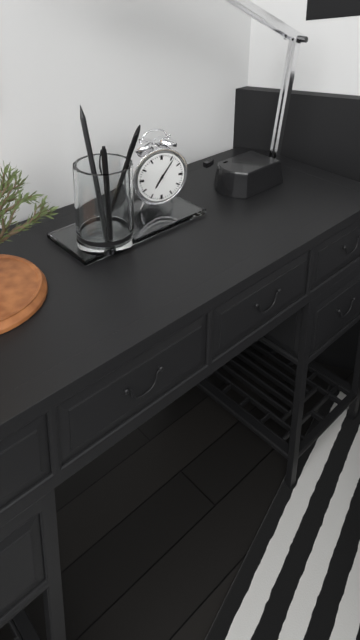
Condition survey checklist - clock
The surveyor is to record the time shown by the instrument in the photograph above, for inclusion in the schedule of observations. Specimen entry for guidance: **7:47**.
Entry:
**7:06**
